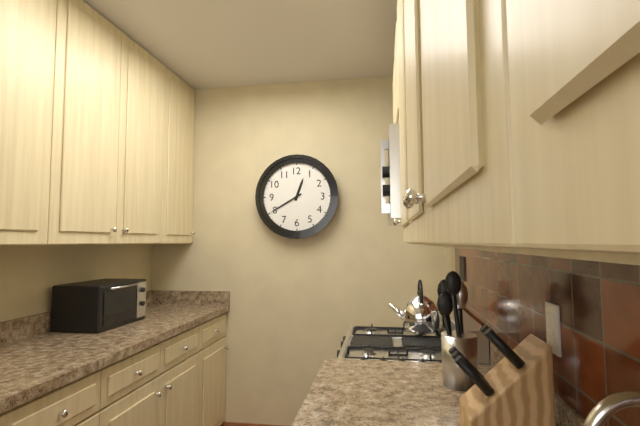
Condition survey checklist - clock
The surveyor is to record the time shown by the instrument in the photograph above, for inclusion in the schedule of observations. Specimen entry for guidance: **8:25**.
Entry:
**12:40**
